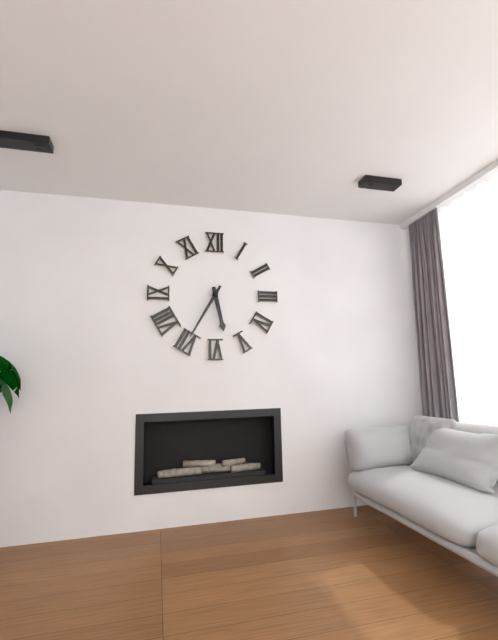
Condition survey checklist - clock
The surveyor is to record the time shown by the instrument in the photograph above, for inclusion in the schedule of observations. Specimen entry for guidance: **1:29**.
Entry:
**5:35**
